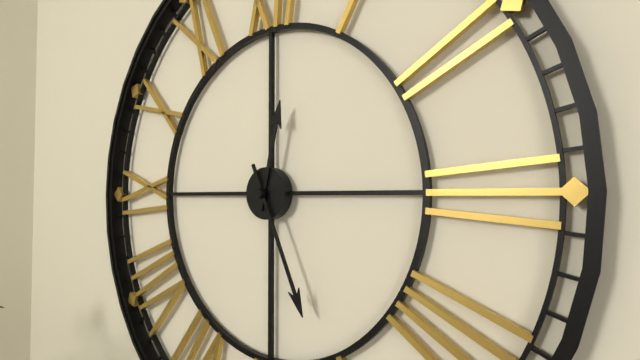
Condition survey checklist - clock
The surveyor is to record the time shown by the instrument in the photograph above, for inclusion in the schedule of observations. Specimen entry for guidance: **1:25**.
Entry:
**12:26**
